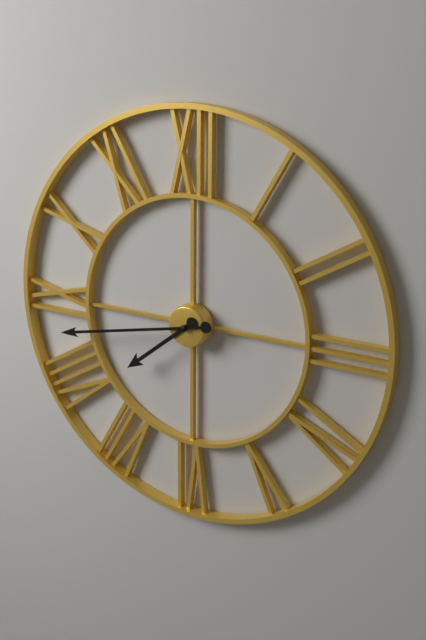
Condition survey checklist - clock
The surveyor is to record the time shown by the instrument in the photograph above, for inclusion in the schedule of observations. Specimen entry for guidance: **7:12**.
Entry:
**7:43**
